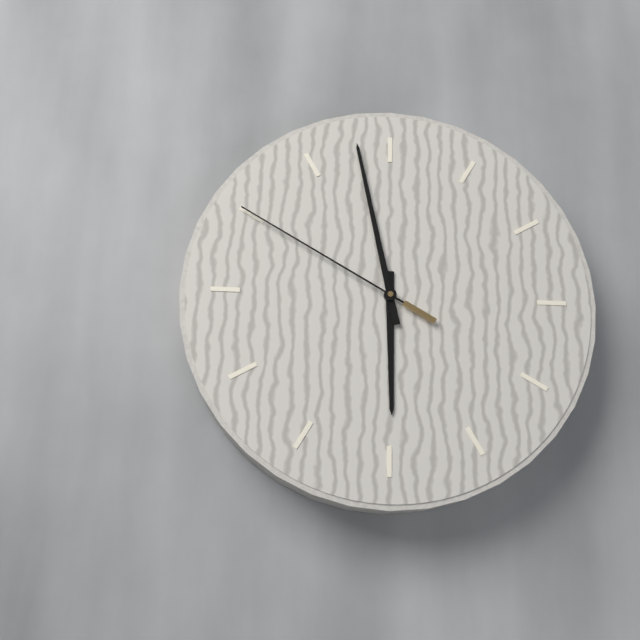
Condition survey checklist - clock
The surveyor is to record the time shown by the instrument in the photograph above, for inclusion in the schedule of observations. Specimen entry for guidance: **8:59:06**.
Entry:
**5:58:50**
